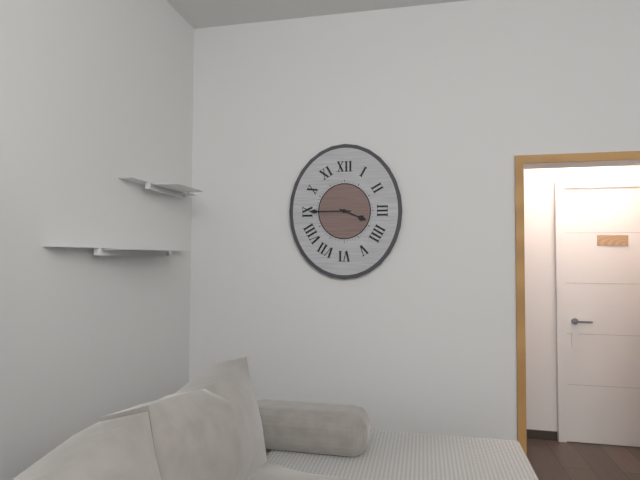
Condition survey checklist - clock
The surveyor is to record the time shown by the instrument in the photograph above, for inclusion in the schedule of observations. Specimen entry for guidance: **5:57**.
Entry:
**3:45**
